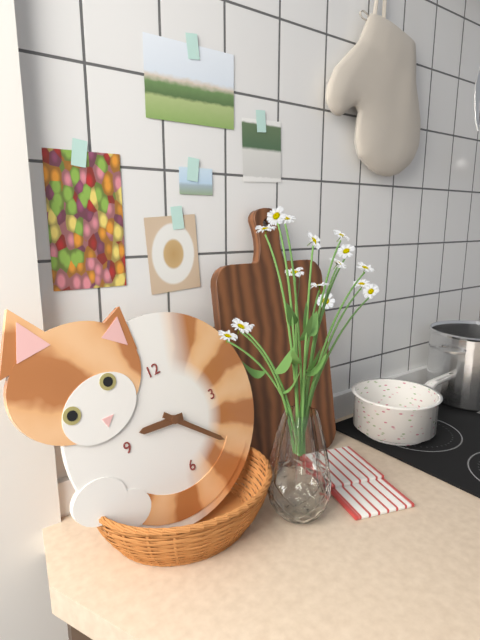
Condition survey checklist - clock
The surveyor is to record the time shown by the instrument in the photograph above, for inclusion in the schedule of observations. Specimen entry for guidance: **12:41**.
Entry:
**9:23**
